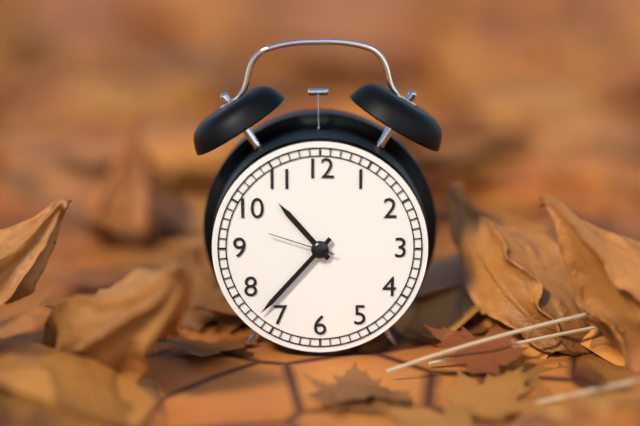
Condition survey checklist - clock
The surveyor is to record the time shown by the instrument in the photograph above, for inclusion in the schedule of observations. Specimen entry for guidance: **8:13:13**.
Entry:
**10:37:48**
